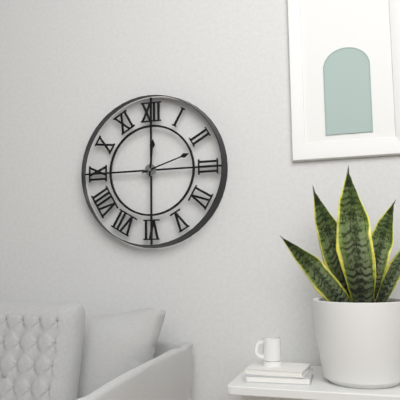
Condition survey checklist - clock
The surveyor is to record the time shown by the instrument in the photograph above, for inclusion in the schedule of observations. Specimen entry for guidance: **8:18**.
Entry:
**12:12**
